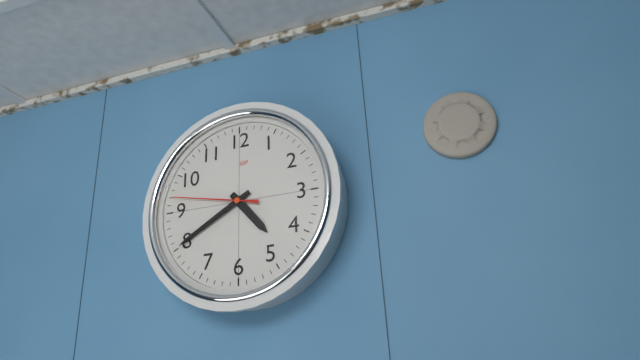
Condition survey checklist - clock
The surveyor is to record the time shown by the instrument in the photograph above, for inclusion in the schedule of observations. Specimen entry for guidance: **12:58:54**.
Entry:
**4:40:47**
